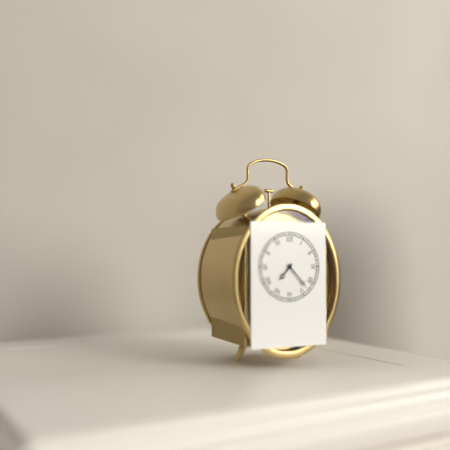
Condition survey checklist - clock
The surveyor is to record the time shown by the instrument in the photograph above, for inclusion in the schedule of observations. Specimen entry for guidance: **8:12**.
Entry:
**7:23**
